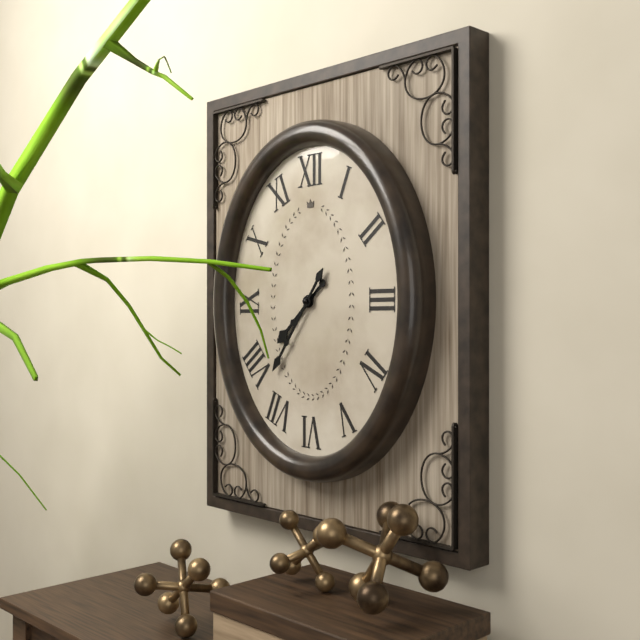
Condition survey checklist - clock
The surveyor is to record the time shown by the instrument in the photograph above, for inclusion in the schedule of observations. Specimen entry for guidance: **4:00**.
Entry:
**7:36**
